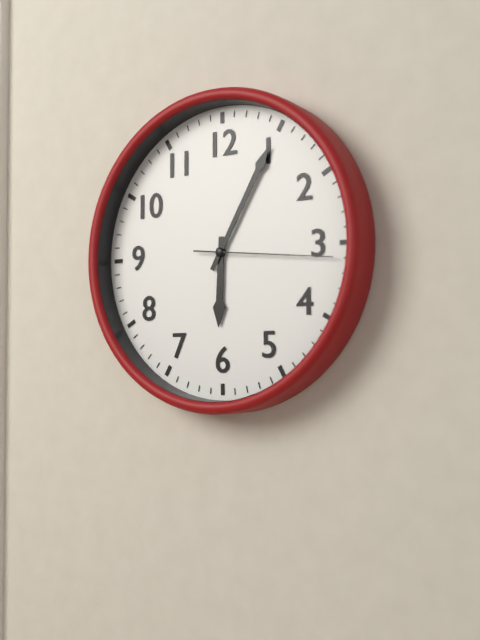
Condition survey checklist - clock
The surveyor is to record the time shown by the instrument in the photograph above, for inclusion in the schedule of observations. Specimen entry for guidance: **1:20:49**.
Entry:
**6:05:16**
